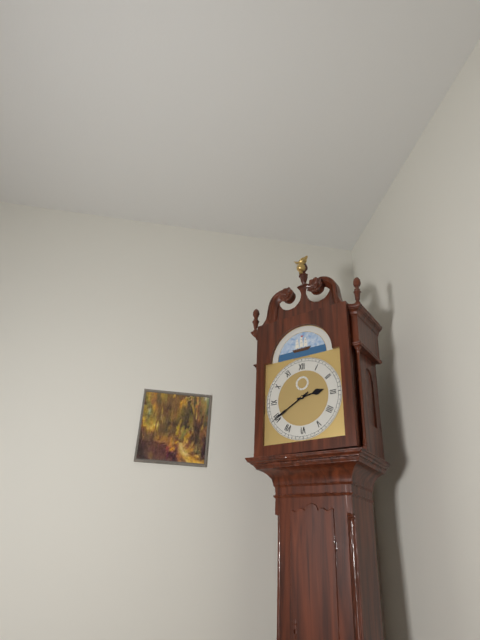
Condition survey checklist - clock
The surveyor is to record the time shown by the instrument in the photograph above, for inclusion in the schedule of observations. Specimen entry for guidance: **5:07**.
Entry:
**2:40**
